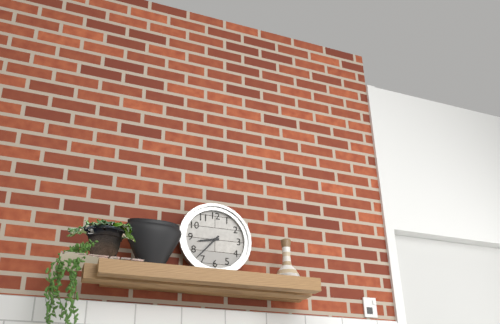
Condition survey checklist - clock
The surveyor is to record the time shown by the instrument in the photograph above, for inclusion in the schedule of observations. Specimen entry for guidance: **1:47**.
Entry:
**8:37**
